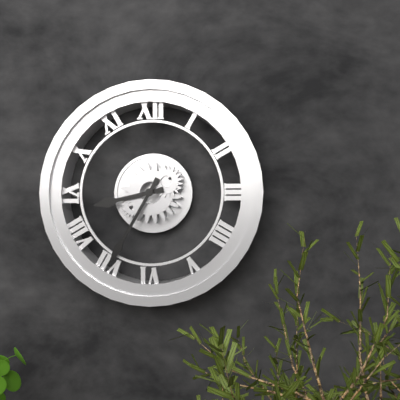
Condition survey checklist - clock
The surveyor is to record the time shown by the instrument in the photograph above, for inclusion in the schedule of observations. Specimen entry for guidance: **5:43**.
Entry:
**8:35**
